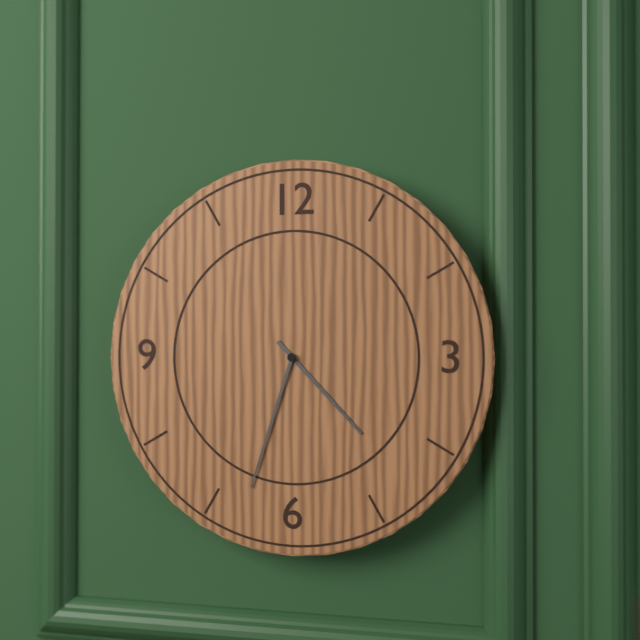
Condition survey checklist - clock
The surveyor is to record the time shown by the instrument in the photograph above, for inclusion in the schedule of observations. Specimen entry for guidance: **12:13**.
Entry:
**4:33**
